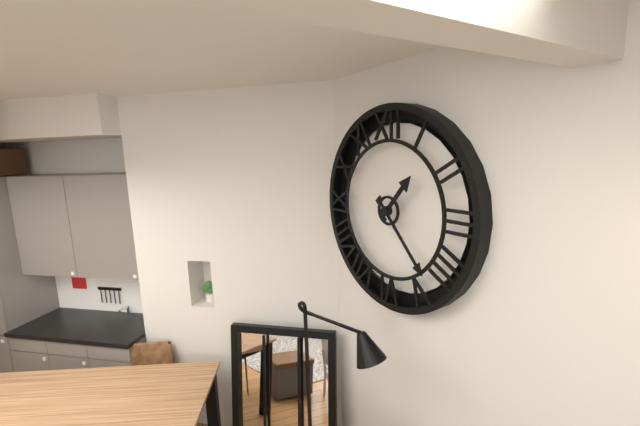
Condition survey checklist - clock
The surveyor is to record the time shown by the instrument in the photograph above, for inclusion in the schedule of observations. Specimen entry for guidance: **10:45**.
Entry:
**1:23**
